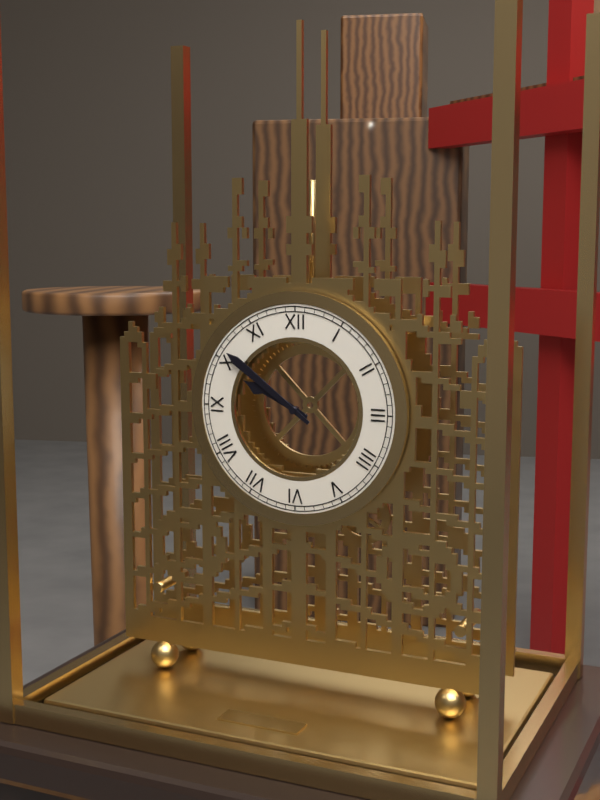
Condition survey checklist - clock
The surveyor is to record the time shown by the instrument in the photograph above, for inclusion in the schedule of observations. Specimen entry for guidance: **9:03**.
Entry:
**9:51**
